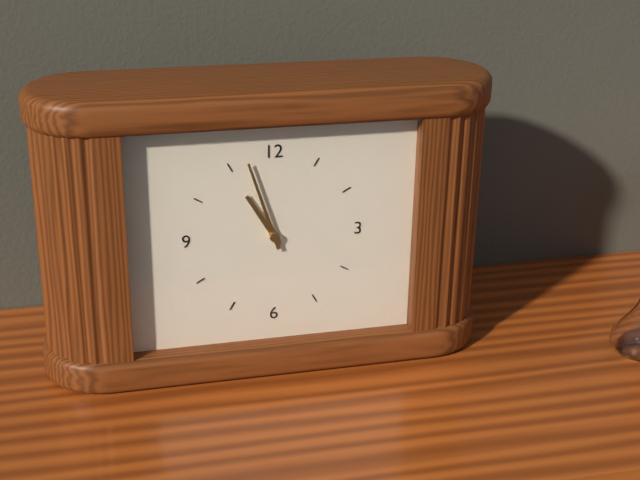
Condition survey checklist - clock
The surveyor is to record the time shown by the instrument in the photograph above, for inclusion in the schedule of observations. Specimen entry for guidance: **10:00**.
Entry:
**10:57**
